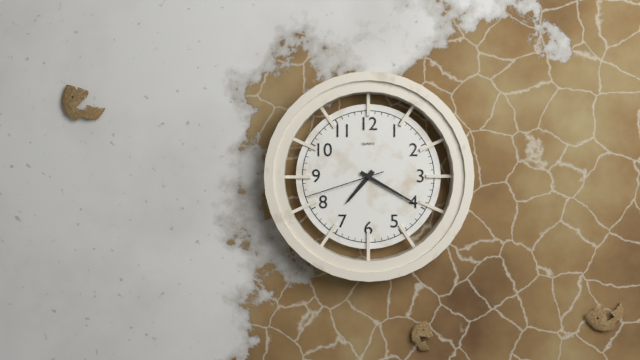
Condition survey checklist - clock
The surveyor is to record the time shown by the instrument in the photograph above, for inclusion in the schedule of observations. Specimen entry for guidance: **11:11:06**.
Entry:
**7:20:42**
